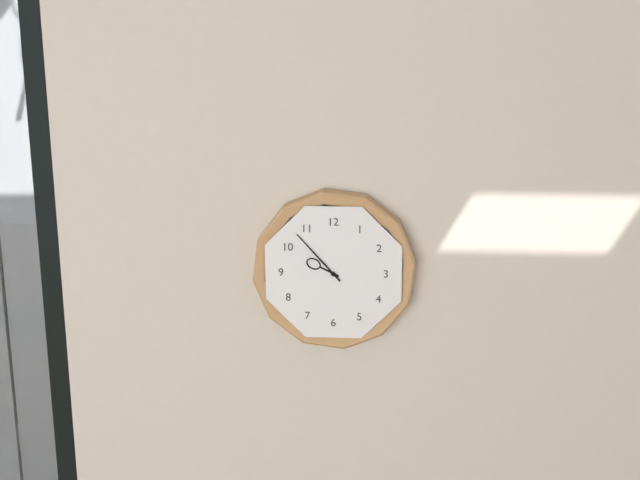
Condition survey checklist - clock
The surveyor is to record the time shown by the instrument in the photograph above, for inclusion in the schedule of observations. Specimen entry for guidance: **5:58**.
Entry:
**9:53**
